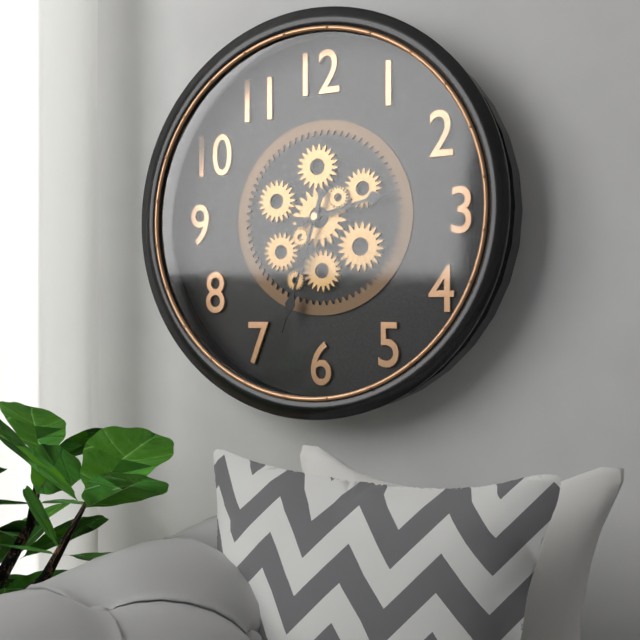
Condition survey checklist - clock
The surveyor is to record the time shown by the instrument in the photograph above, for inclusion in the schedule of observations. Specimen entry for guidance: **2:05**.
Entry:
**2:33**
